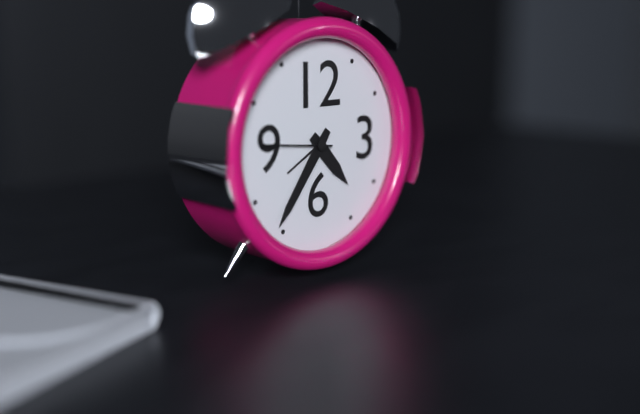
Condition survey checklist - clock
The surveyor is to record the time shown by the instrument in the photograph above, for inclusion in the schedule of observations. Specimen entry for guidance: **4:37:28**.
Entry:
**4:36:46**
